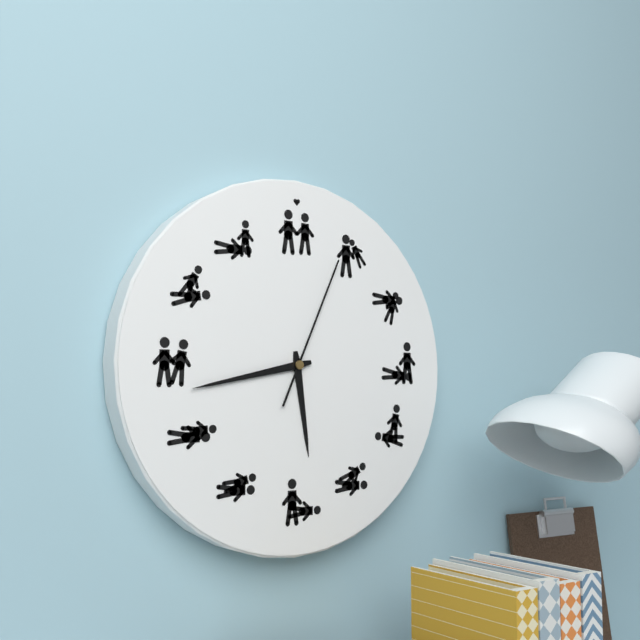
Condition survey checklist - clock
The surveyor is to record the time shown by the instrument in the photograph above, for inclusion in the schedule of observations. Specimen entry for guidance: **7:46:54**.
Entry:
**5:43:04**
